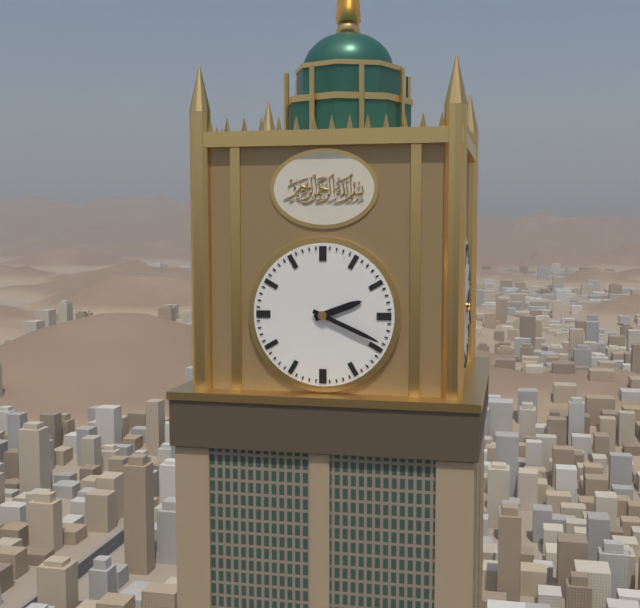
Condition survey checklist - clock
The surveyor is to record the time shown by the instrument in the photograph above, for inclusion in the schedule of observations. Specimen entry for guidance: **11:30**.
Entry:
**2:19**
